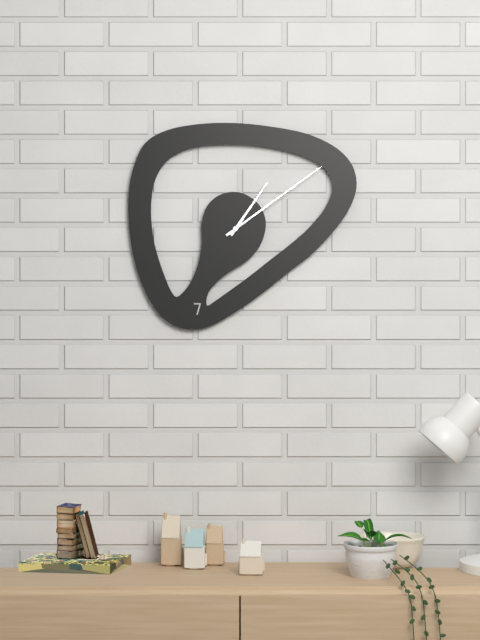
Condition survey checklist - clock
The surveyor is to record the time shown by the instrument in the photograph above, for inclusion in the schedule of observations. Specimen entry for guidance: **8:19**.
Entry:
**1:09**
